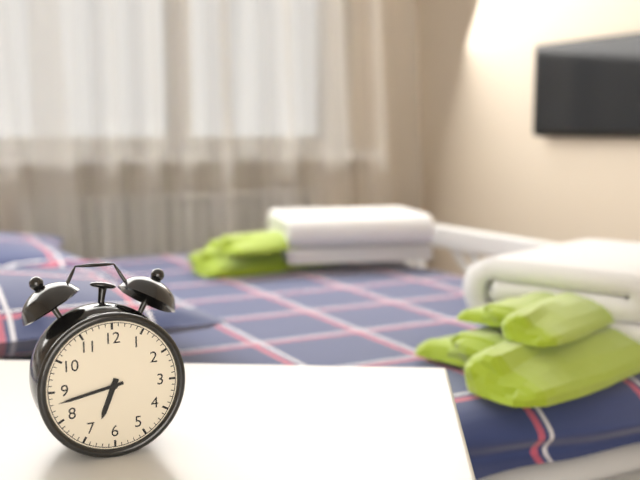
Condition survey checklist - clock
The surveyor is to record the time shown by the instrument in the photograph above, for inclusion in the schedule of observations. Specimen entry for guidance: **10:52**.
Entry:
**6:43**
